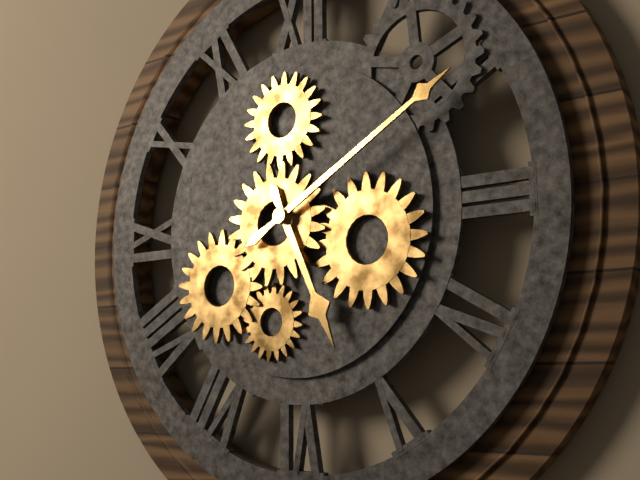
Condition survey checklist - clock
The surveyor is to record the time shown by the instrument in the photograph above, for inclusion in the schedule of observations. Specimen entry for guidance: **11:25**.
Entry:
**5:10**
